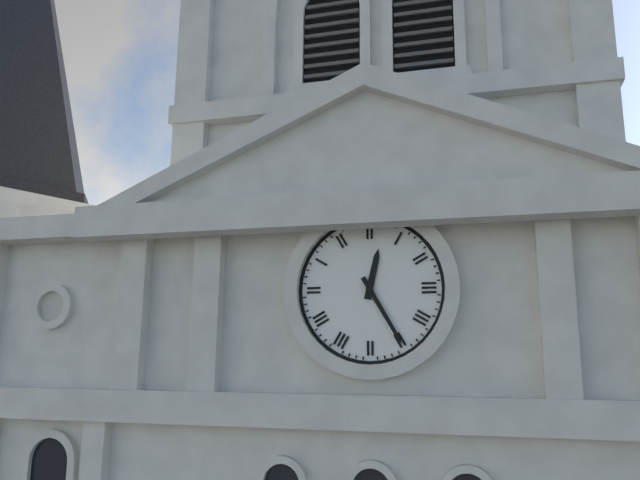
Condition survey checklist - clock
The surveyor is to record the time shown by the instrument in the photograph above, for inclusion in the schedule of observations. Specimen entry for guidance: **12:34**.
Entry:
**12:25**
